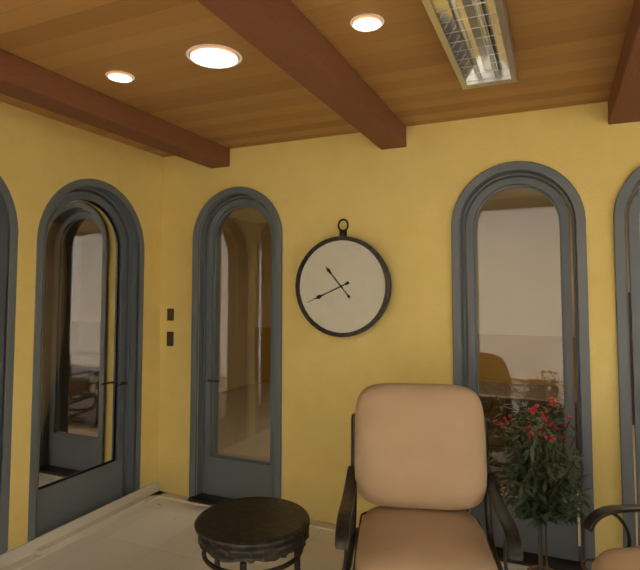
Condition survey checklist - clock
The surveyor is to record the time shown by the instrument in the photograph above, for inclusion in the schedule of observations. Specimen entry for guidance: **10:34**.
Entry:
**10:41**
